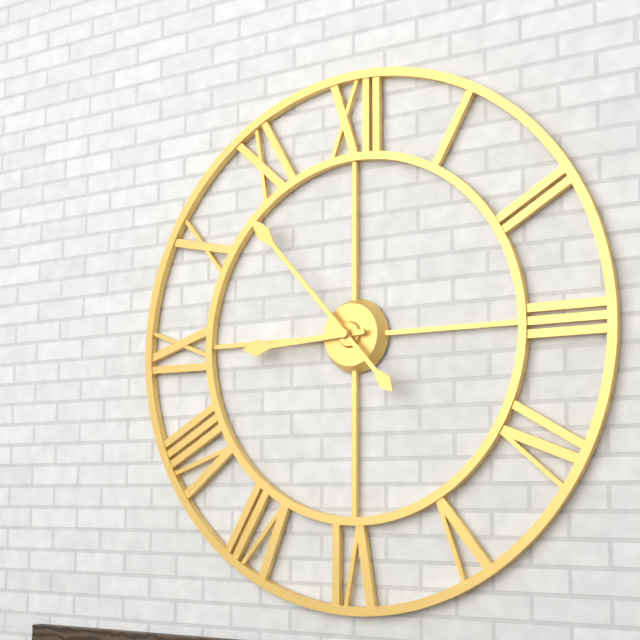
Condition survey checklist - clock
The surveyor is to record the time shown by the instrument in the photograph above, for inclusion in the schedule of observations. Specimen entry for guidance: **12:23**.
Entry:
**8:53**
